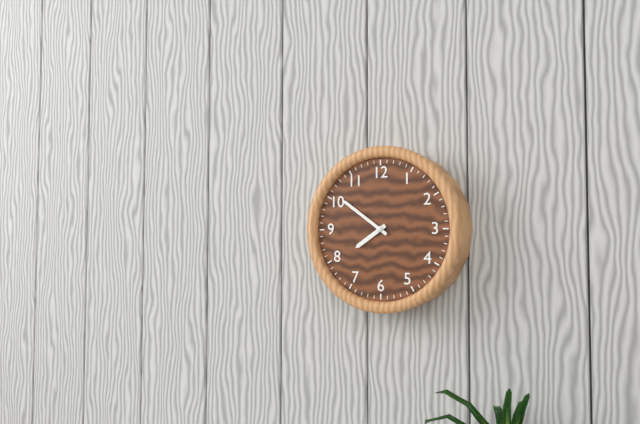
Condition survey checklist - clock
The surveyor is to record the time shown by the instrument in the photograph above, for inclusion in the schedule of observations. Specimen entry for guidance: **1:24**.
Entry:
**7:51**
